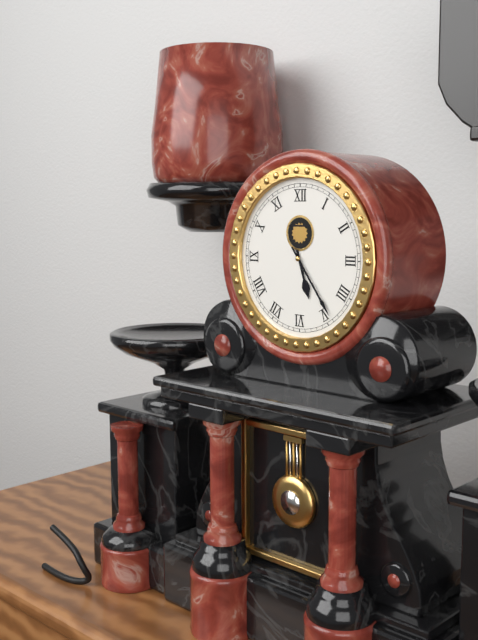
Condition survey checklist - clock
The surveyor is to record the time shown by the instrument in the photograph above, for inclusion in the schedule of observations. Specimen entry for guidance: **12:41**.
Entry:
**5:24**
